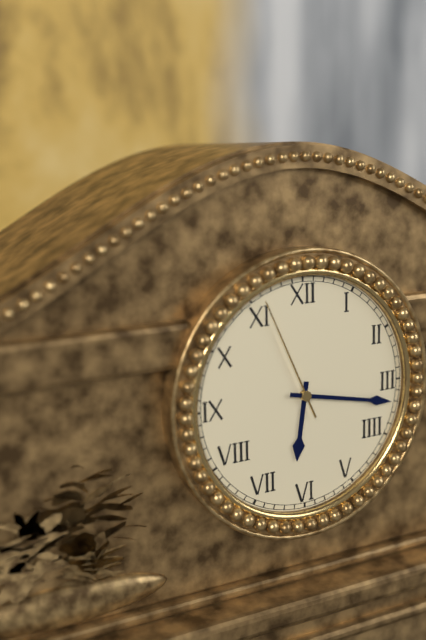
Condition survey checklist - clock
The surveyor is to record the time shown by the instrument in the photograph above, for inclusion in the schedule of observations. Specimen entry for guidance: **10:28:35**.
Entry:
**6:17:56**
